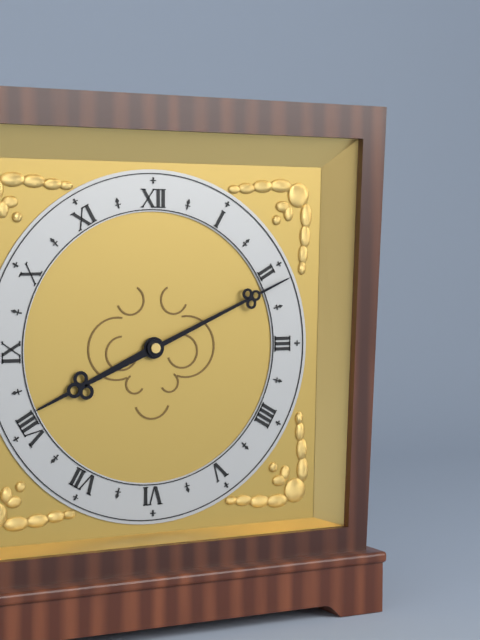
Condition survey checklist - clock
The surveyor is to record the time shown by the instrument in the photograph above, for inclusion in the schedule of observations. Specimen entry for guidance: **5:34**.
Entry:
**8:11**
